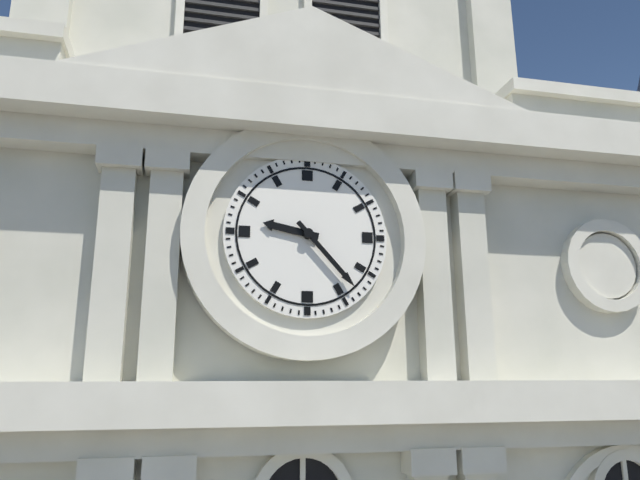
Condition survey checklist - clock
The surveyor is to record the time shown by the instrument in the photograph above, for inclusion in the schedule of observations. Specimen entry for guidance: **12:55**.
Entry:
**9:23**
